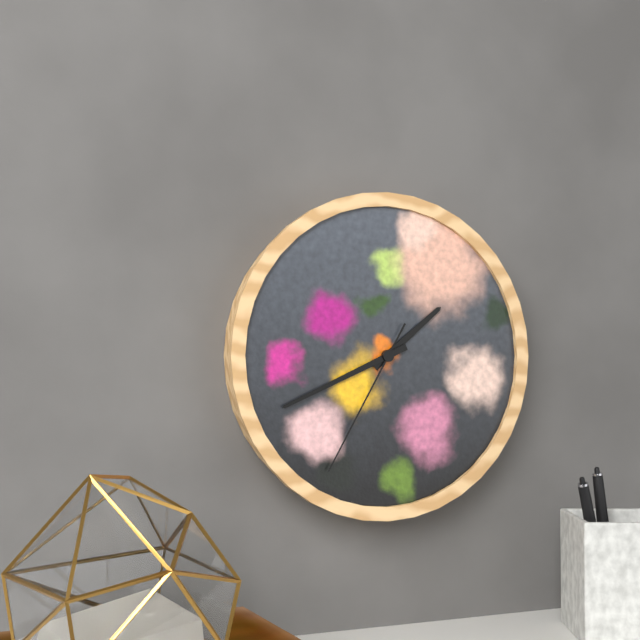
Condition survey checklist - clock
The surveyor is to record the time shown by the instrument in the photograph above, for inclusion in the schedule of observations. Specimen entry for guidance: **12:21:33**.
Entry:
**1:41:35**
